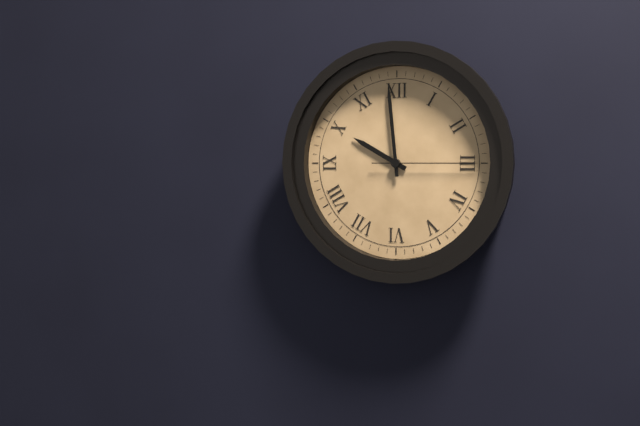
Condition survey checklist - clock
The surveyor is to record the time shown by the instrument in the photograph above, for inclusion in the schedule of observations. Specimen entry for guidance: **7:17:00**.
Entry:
**9:59:15**
